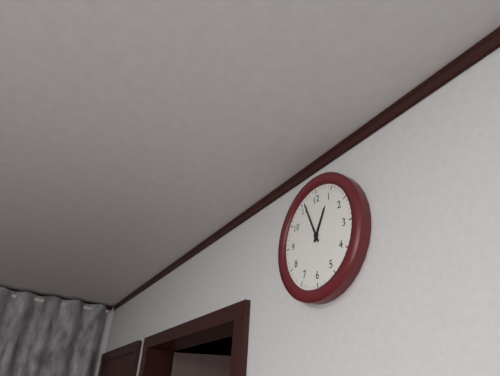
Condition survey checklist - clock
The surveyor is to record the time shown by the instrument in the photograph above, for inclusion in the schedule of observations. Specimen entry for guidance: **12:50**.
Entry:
**12:56**
